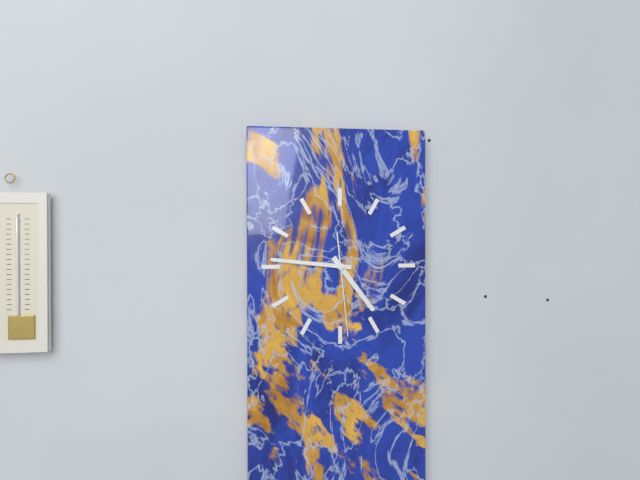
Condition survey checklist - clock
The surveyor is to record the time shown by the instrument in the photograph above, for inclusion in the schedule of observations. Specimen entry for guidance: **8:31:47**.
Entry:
**4:46:29**
